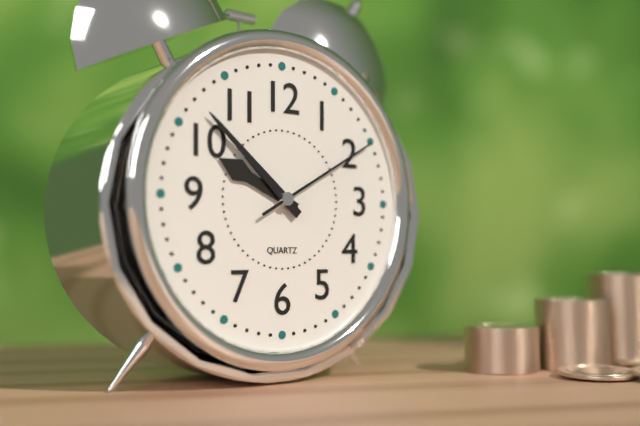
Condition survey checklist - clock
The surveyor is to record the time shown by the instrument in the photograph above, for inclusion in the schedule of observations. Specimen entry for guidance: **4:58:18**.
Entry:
**9:52:10**
